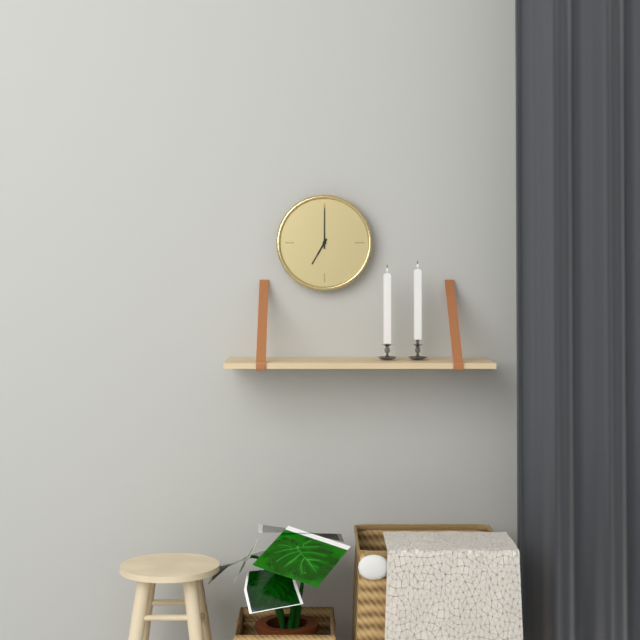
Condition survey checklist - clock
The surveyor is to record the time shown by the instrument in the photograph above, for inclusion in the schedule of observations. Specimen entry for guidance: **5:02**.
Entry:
**7:00**
